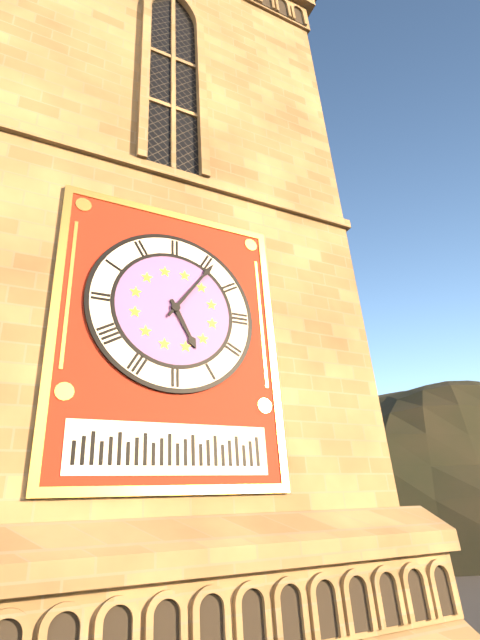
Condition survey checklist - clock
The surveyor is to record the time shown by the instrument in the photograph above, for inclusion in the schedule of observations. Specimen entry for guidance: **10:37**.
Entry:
**5:06**
